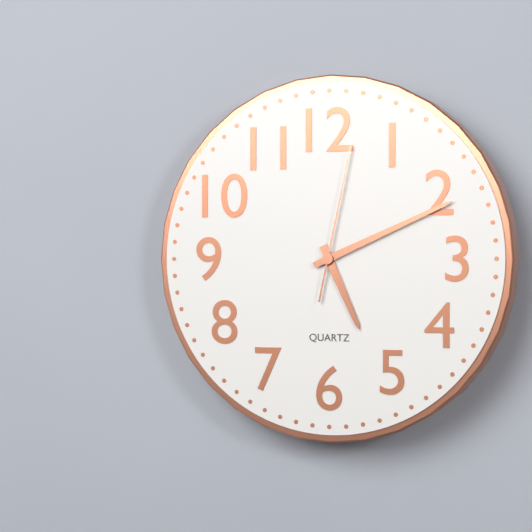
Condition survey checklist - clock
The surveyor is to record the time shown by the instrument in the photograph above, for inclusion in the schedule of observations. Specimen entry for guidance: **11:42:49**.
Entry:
**5:11:02**
